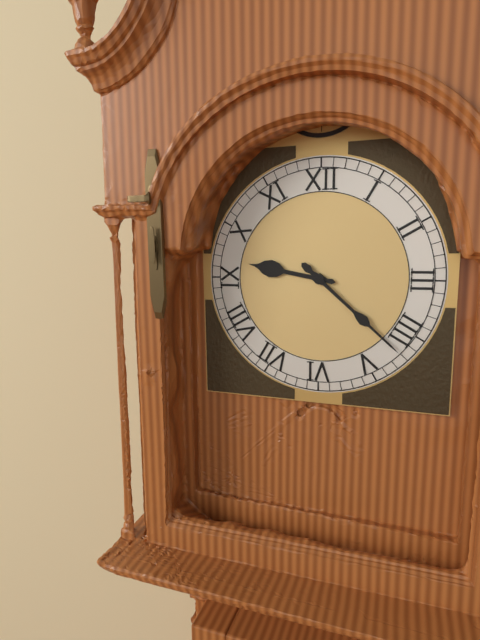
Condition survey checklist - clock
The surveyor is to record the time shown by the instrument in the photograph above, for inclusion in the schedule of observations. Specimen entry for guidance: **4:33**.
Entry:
**9:22**
